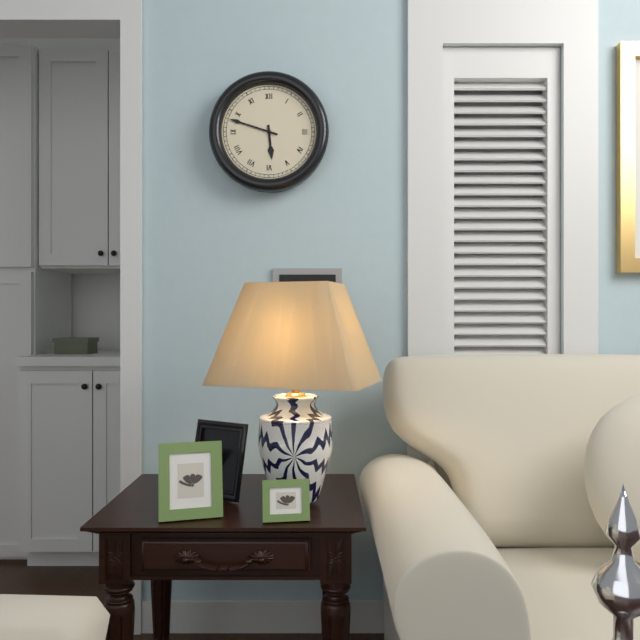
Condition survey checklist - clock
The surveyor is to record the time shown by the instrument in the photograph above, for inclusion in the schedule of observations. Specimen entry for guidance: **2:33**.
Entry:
**5:48**
